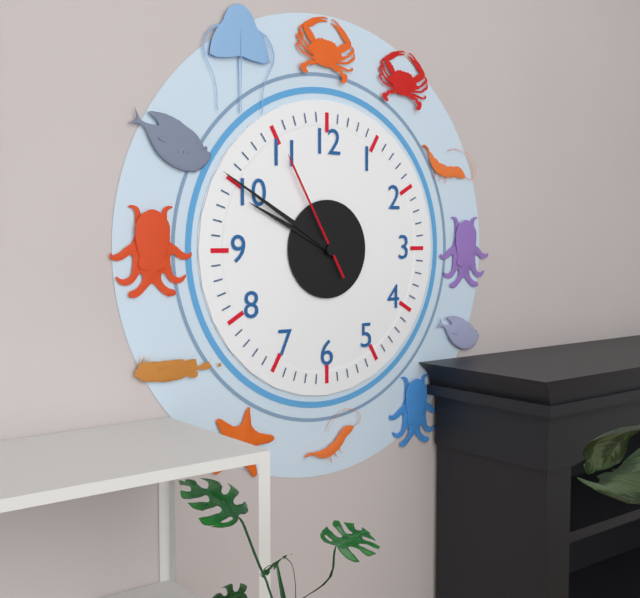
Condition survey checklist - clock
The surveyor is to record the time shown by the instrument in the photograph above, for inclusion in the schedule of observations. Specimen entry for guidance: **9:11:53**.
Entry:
**9:50:55**
